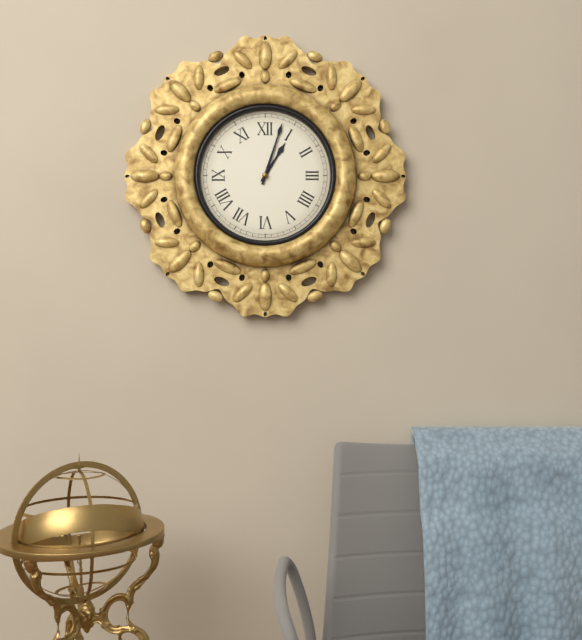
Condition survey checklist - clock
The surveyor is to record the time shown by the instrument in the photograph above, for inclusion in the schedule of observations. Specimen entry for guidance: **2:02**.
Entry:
**1:03**
